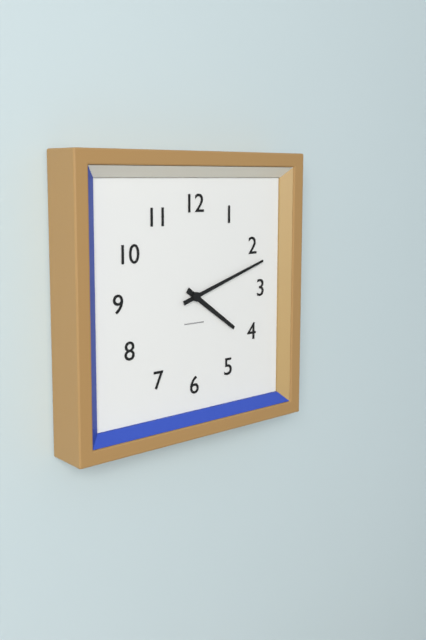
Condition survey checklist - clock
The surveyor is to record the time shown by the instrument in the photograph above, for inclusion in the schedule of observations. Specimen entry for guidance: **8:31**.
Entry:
**4:12**
